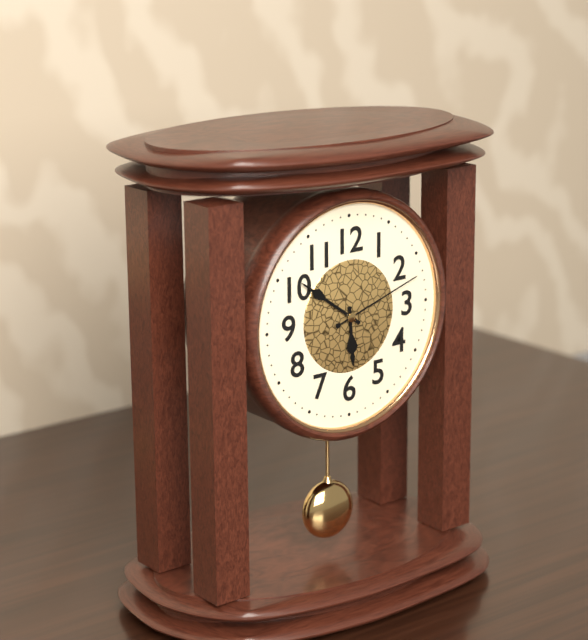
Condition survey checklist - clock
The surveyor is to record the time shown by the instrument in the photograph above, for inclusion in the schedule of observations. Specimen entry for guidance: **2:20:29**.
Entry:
**5:51:12**
